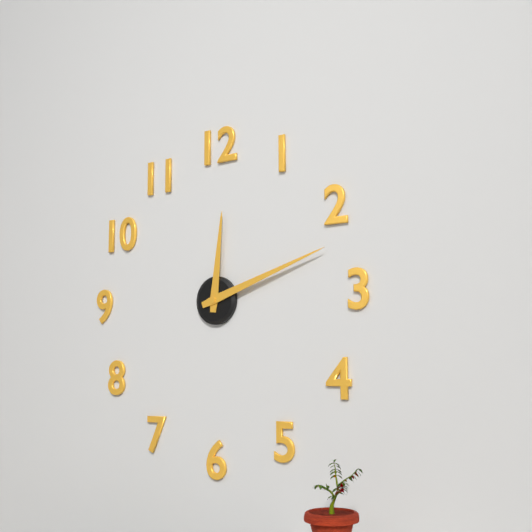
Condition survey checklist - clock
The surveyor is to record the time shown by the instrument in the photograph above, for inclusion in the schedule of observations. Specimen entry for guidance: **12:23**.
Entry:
**12:12**
